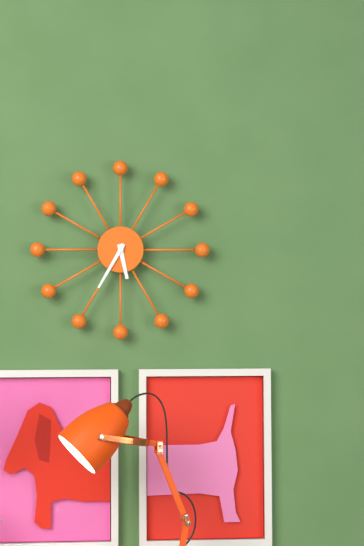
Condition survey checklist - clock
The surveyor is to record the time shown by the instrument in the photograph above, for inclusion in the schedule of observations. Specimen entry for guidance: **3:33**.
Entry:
**5:35**
